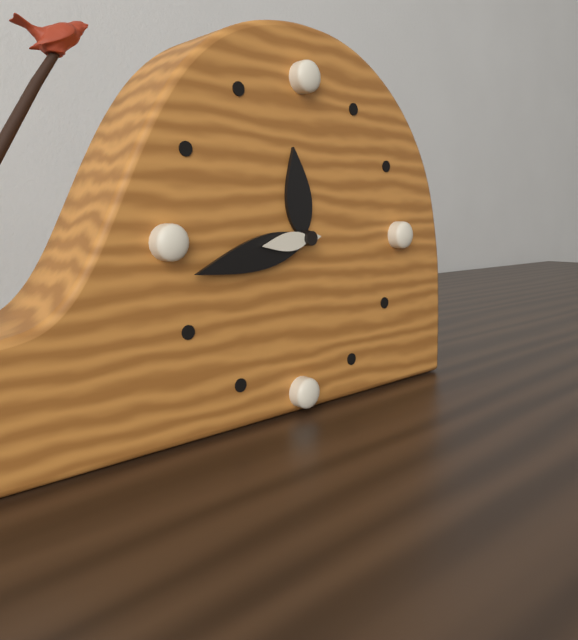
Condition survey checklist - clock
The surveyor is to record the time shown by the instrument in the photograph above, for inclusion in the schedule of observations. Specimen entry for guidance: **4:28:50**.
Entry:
**11:43:44**
